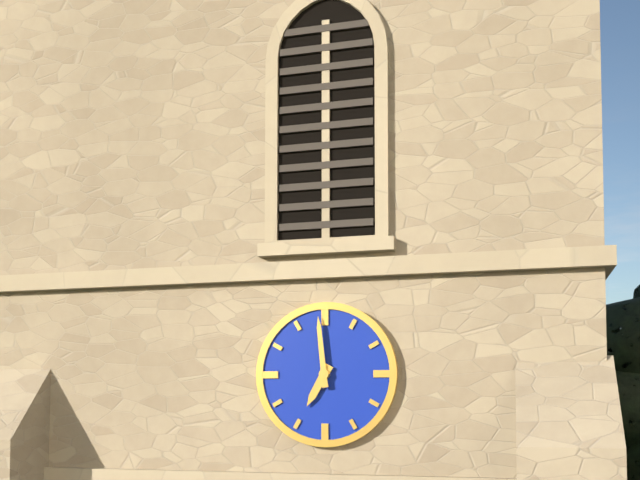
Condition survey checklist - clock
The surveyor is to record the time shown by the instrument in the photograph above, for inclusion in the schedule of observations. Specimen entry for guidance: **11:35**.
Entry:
**6:59**
